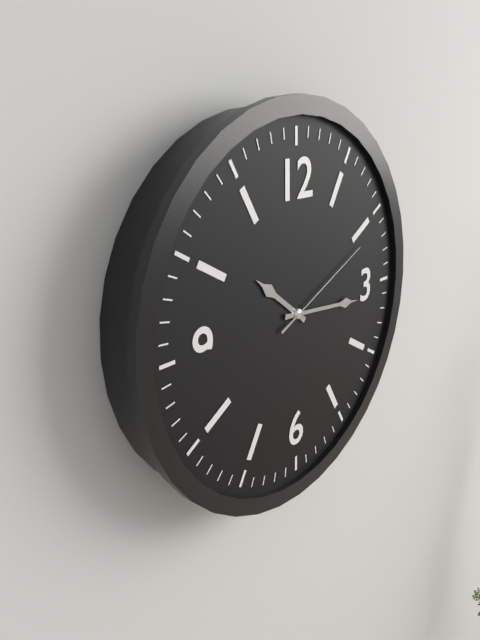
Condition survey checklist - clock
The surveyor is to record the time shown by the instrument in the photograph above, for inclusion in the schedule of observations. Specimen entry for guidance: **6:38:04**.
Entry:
**10:16:11**
